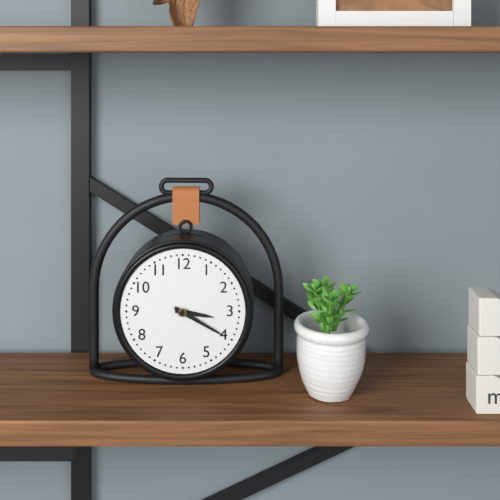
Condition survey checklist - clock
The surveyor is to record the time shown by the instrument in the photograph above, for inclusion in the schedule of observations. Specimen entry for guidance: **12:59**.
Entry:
**3:20**
